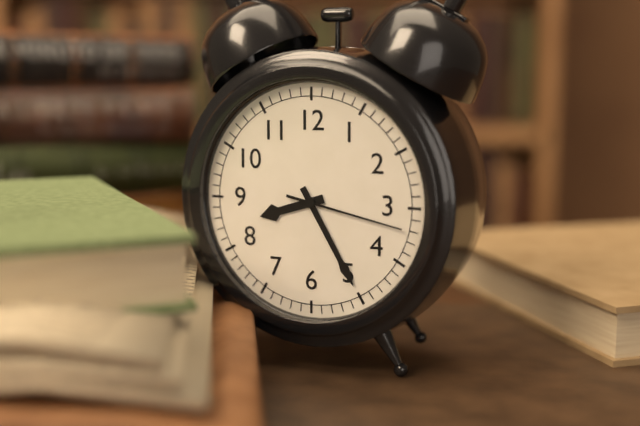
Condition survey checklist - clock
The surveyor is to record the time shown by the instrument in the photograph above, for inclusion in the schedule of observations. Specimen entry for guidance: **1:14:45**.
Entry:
**8:25:17**
